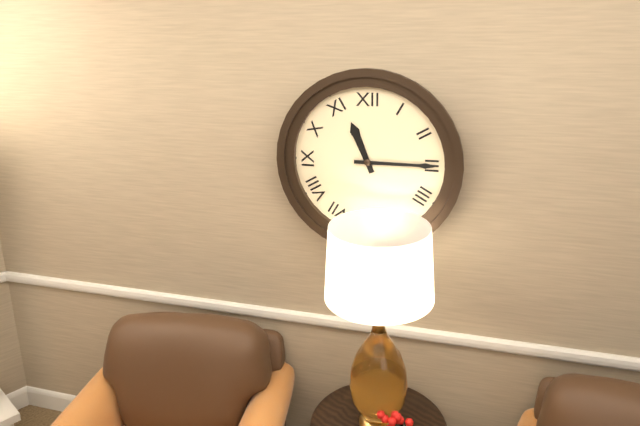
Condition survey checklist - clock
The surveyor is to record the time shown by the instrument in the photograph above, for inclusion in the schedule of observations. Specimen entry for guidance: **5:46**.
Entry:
**11:15**
